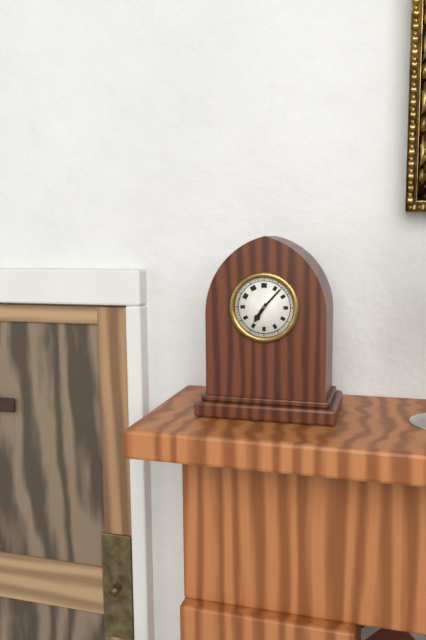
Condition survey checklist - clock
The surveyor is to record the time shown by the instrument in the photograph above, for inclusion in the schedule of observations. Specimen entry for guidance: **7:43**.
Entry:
**7:07**
